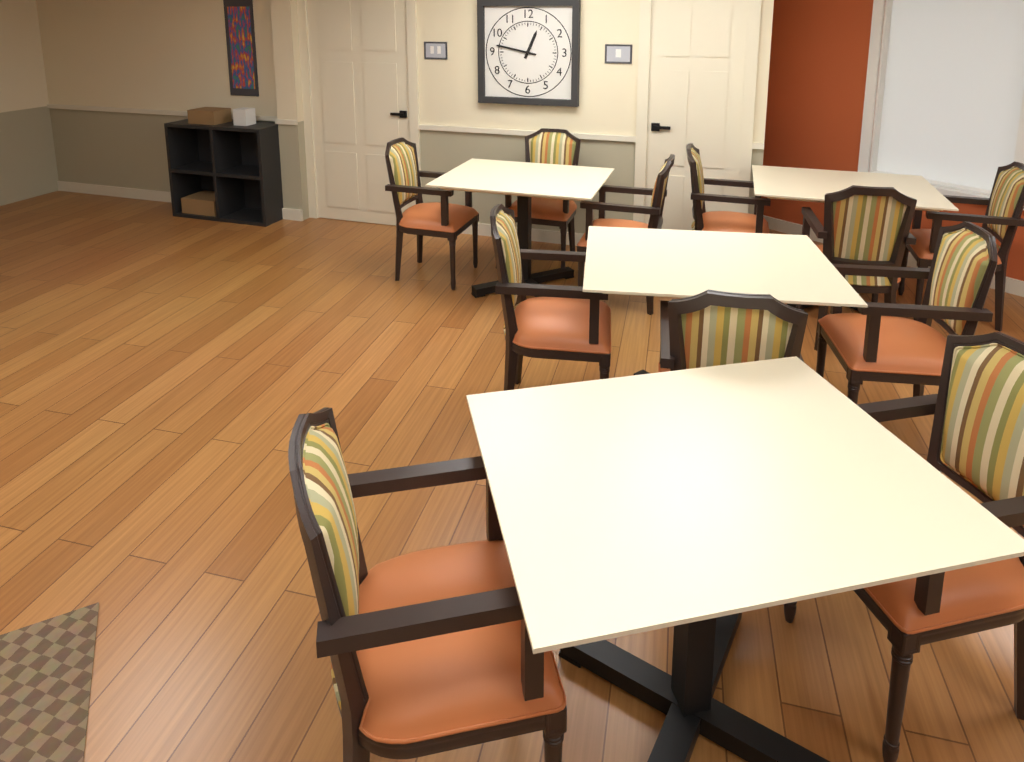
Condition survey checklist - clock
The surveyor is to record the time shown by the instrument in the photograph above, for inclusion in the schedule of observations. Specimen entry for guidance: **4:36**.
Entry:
**12:47**
